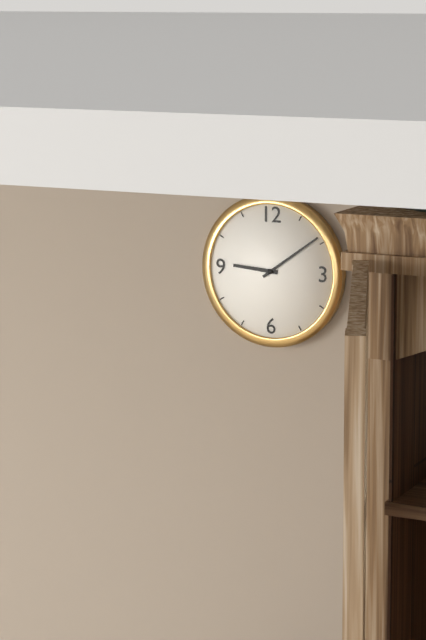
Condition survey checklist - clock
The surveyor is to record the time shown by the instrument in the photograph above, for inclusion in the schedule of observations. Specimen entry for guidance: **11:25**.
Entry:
**9:09**
